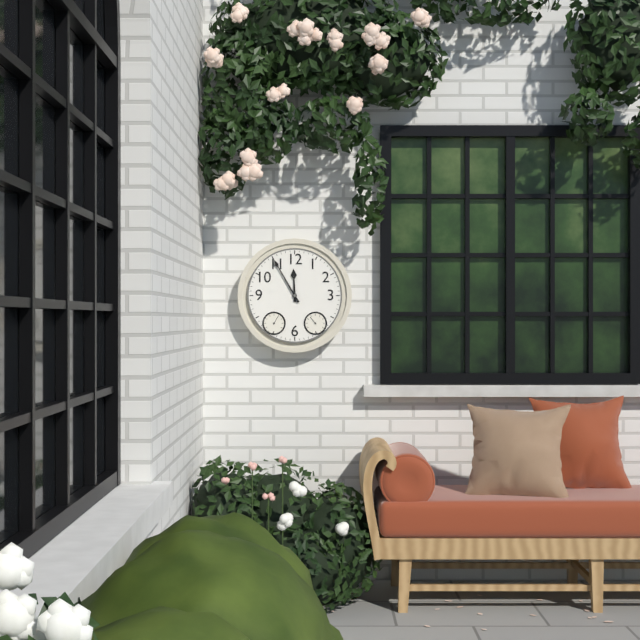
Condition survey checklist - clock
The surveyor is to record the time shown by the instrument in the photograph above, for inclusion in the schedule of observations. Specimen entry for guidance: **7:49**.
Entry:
**11:55**
